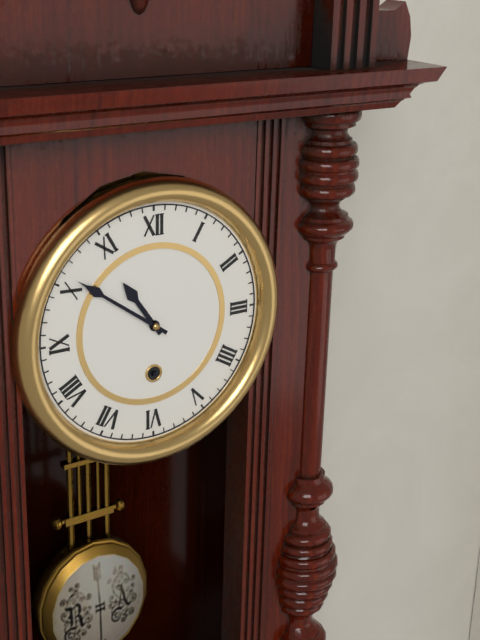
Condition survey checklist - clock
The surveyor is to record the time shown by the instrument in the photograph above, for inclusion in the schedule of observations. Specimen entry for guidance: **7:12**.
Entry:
**10:51**
